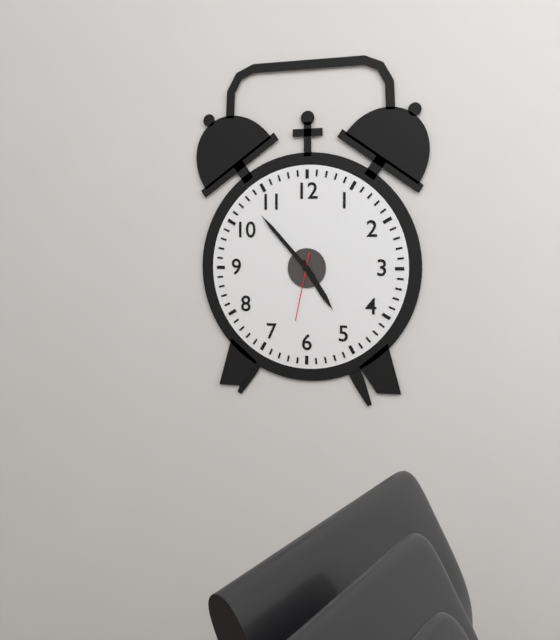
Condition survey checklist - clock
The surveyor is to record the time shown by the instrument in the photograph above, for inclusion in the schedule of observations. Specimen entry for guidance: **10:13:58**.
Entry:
**4:53:32**
